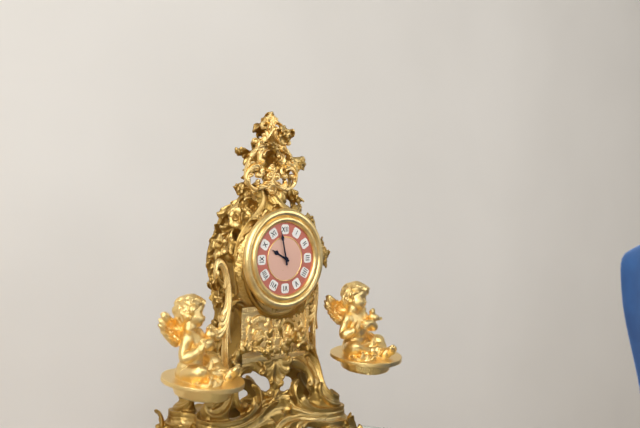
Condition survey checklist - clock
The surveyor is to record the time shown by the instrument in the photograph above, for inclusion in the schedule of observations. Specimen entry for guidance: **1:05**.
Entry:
**9:58**
